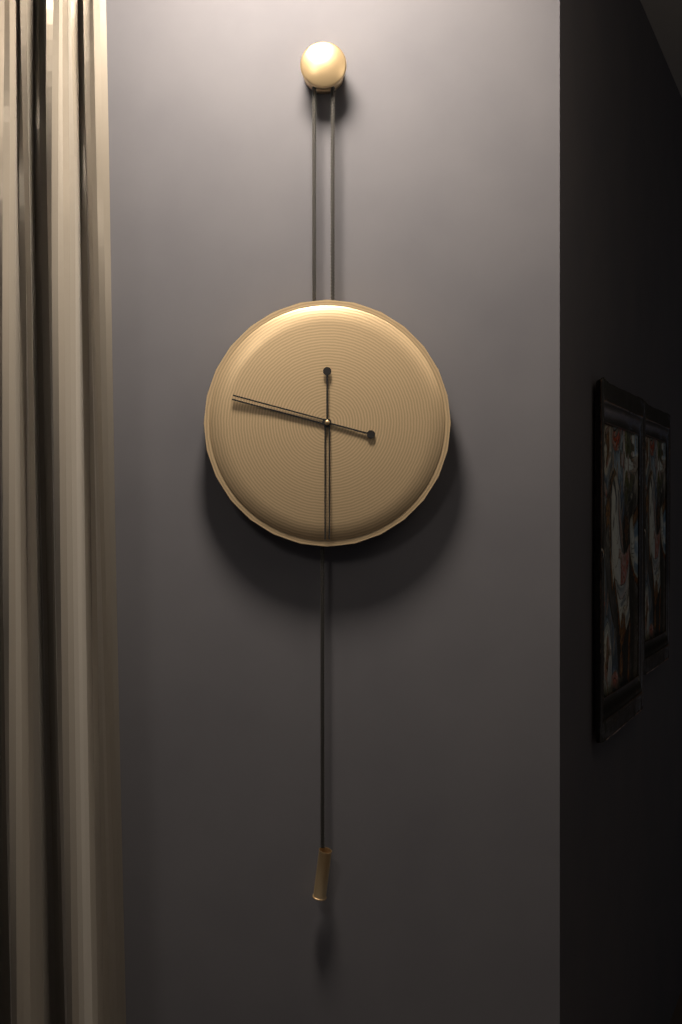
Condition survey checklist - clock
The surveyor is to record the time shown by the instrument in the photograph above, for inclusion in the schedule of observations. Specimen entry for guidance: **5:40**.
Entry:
**9:30**
